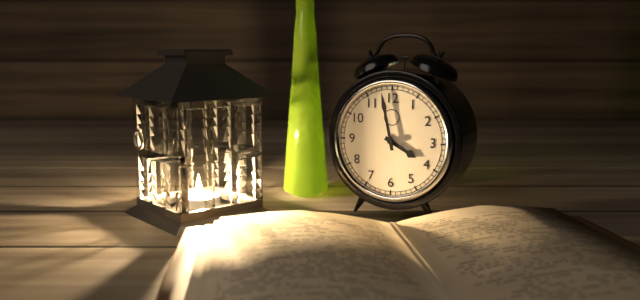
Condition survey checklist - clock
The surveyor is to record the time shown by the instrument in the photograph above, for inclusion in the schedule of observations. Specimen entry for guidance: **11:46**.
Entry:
**3:58**
